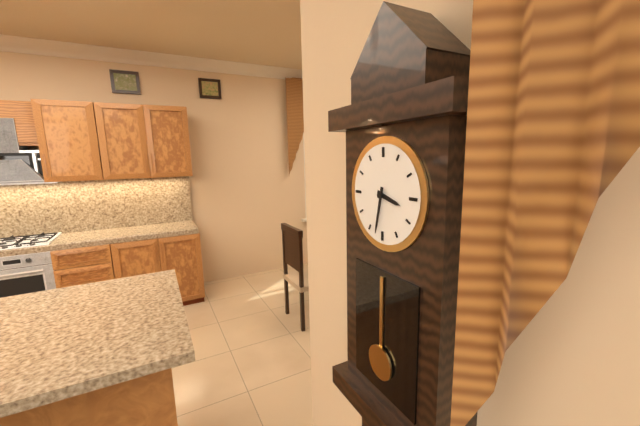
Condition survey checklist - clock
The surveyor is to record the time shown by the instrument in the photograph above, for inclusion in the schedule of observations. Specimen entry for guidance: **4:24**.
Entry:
**3:32**
